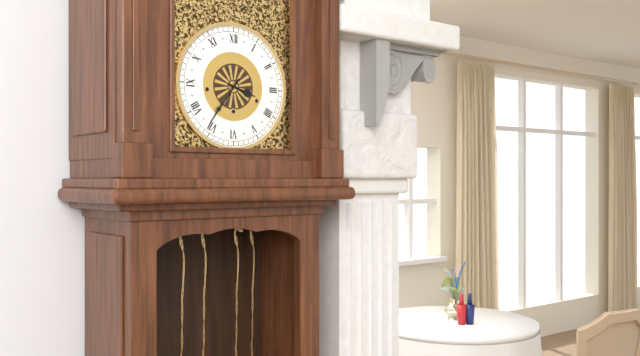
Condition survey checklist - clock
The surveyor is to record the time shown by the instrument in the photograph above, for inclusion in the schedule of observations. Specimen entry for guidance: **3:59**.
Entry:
**3:36**
